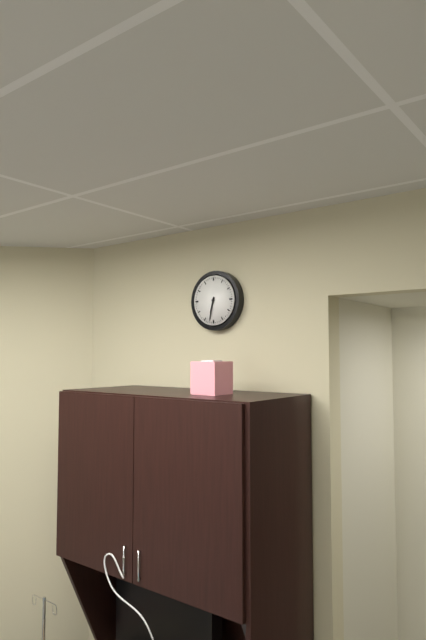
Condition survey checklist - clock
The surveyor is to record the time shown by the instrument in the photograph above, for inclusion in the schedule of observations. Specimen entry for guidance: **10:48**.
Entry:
**6:32**
